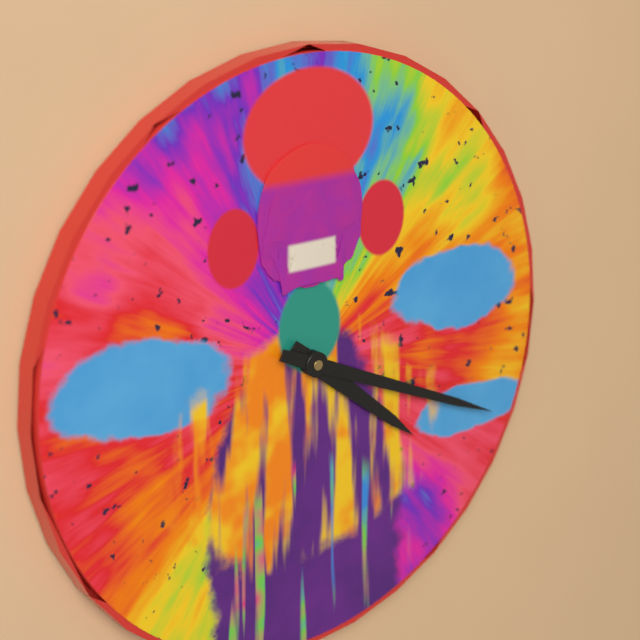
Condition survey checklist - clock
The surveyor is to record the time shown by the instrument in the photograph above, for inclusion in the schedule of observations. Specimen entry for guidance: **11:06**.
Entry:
**4:19**
